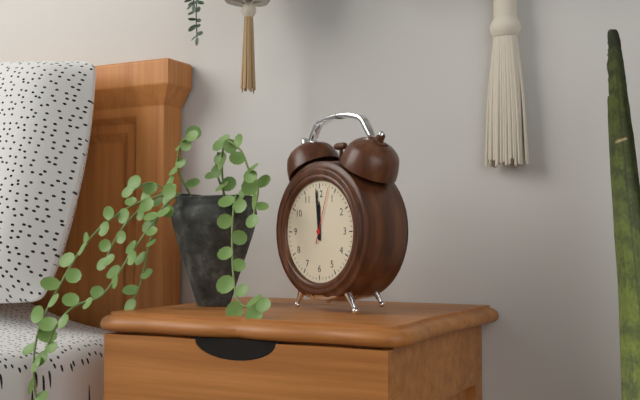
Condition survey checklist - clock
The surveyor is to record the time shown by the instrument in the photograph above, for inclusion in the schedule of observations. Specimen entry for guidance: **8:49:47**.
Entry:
**11:59:03**
